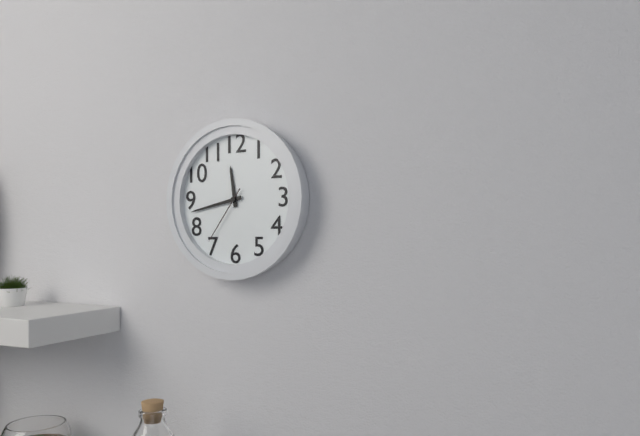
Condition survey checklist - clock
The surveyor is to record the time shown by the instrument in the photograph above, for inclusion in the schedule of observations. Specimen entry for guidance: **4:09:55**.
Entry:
**11:43:36**
